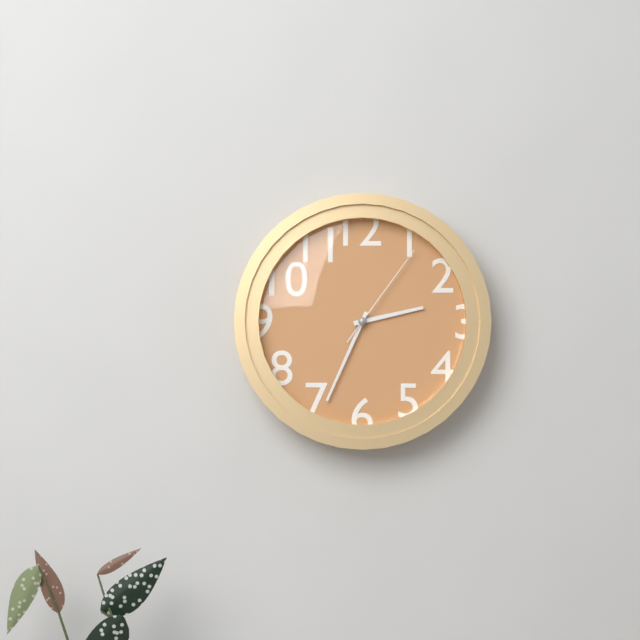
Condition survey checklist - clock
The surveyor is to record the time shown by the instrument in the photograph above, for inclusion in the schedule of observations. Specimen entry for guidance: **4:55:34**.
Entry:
**2:34:06**
